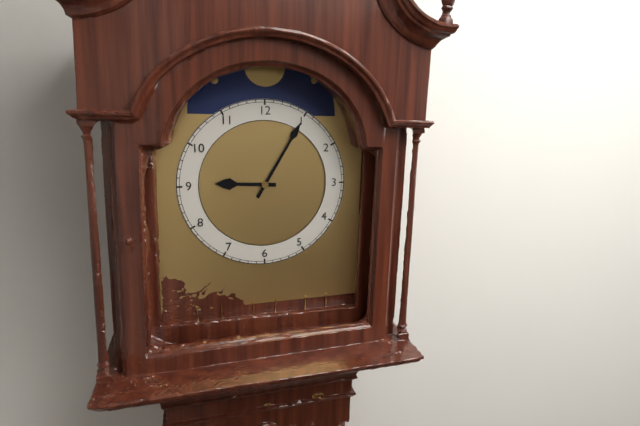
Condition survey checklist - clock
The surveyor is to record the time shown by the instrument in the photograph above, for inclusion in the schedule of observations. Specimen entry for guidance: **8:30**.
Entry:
**9:05**
